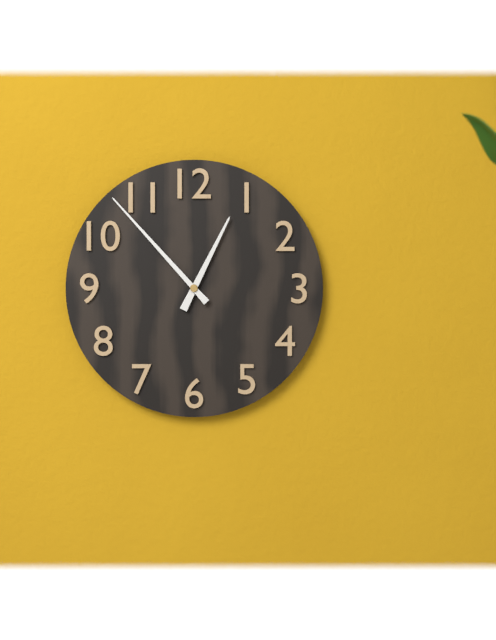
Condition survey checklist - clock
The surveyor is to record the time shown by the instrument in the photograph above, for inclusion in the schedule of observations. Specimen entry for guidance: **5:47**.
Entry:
**12:53**
